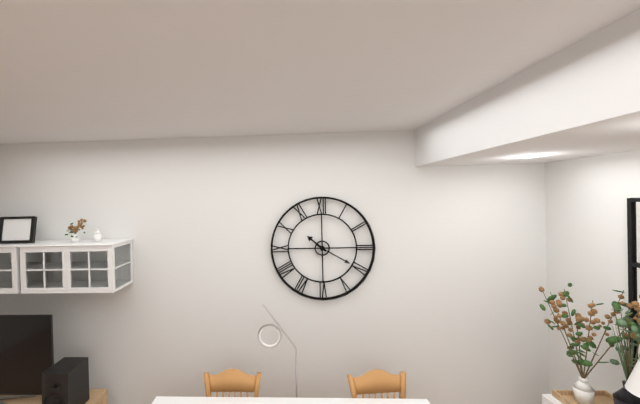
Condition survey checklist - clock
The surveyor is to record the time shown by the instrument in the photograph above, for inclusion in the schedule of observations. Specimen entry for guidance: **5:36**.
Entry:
**10:20**
